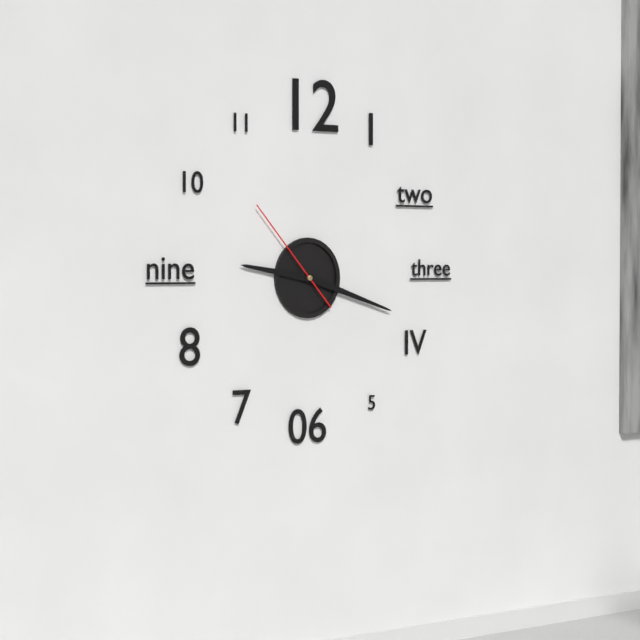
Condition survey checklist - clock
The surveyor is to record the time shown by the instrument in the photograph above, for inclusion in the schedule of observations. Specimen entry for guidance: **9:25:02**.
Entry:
**9:18:53**
